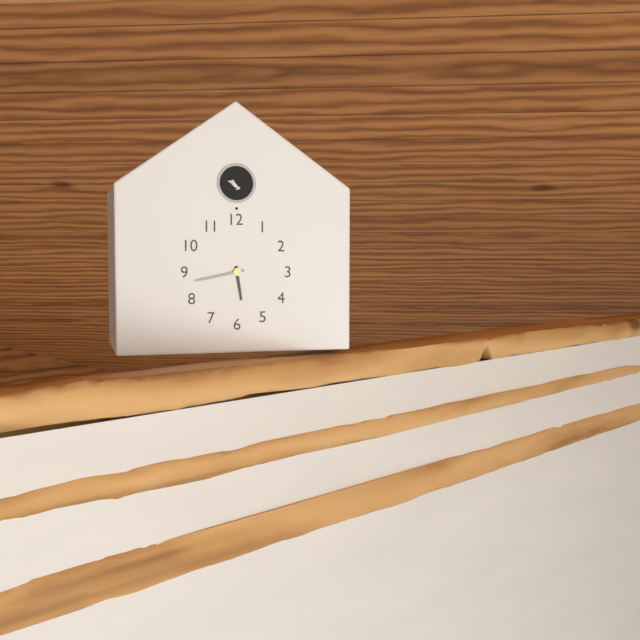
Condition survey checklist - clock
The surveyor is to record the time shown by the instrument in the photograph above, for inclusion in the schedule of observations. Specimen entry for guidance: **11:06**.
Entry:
**5:43**
